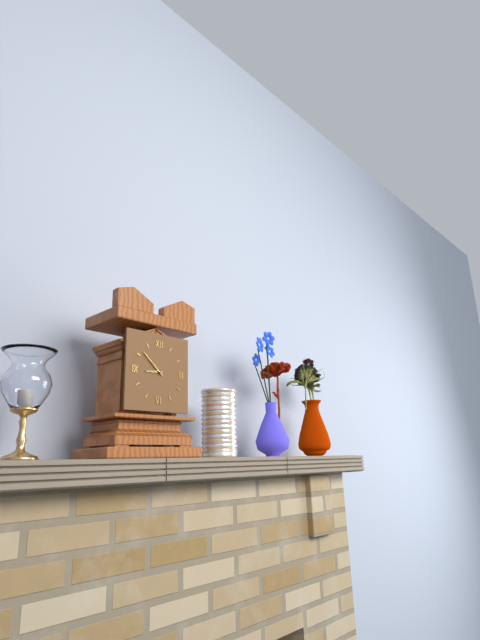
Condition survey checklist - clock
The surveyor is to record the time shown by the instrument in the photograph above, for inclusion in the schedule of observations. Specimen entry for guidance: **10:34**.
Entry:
**8:52**
